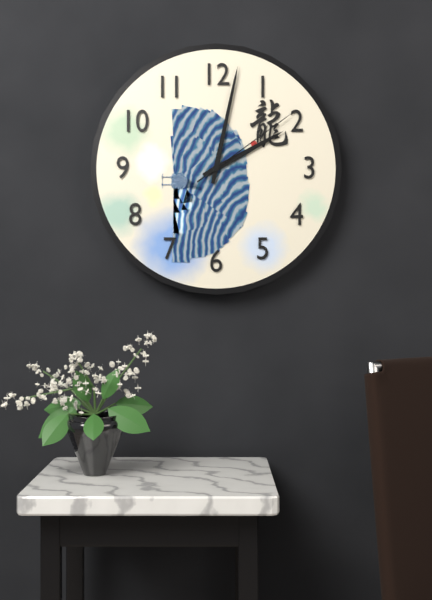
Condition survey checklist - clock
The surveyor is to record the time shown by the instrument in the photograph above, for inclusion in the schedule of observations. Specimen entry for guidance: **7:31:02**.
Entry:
**2:02:09**
